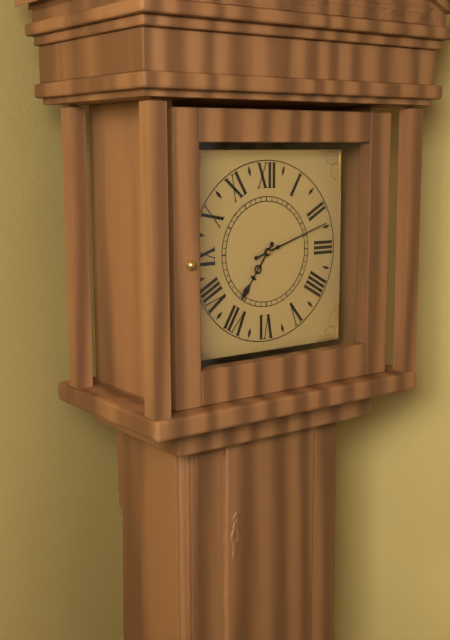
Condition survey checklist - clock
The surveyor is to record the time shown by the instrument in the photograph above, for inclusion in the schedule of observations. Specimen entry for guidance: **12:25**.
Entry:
**7:12**
